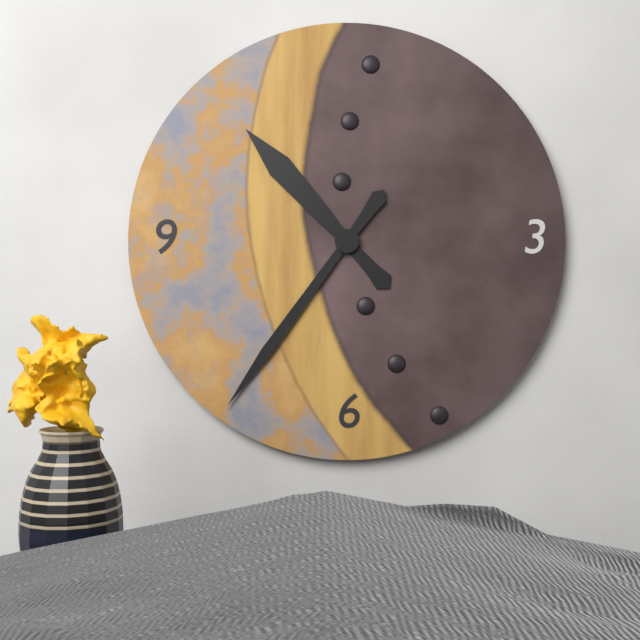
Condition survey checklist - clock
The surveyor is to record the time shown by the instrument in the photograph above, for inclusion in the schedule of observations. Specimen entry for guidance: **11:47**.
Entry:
**10:36**
